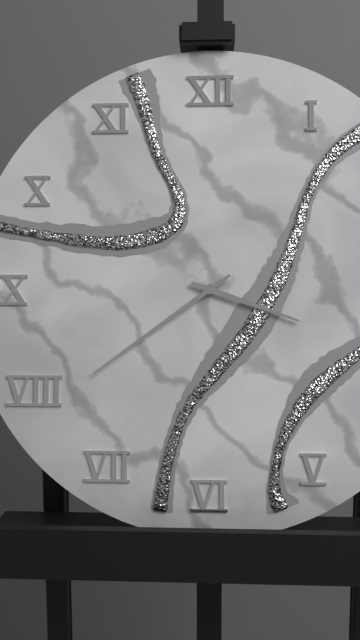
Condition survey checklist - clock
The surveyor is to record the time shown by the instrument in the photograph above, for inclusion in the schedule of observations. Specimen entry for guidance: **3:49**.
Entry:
**3:39**
